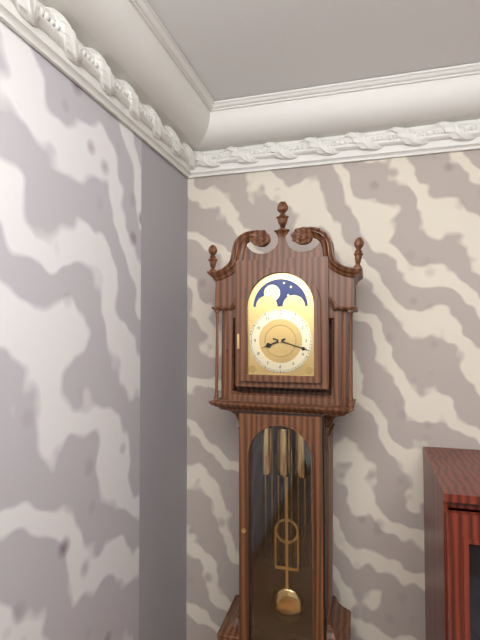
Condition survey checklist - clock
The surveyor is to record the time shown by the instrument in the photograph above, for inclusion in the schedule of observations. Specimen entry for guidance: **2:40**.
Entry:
**8:18**
